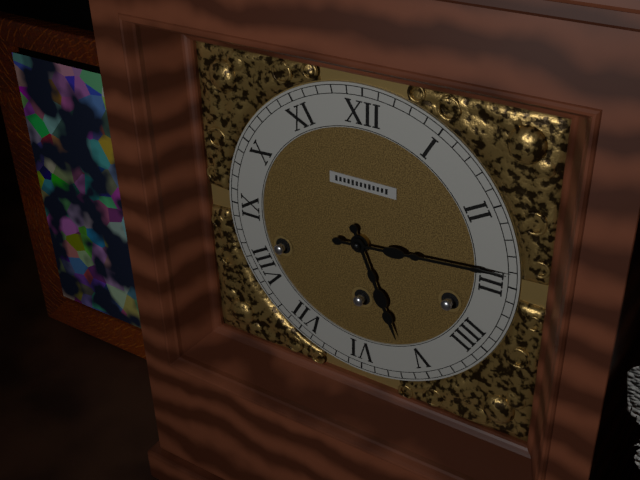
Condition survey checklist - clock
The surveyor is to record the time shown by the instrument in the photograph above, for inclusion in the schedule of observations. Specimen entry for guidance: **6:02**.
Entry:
**5:14**
